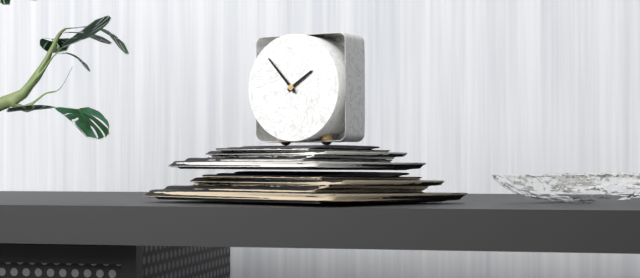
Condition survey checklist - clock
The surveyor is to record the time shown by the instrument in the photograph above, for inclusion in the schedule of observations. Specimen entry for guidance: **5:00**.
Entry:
**1:53**
